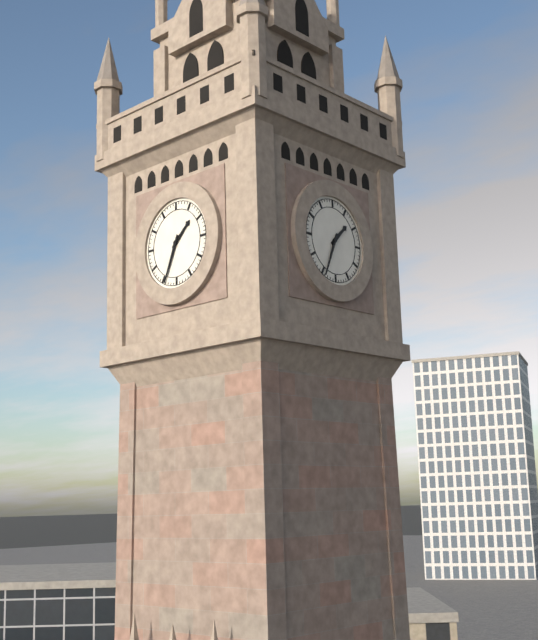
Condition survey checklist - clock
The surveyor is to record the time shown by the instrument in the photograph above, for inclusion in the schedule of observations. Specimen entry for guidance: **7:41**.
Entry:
**1:34**
